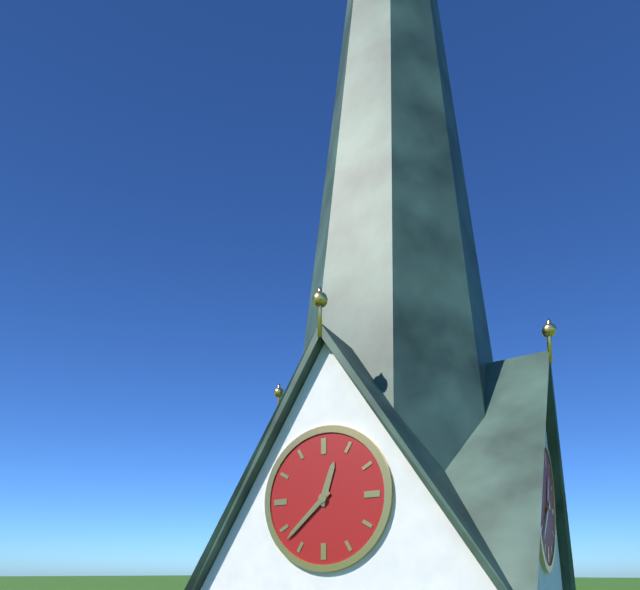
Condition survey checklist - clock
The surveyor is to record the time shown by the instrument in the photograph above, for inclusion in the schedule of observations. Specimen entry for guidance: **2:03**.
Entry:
**12:38**
